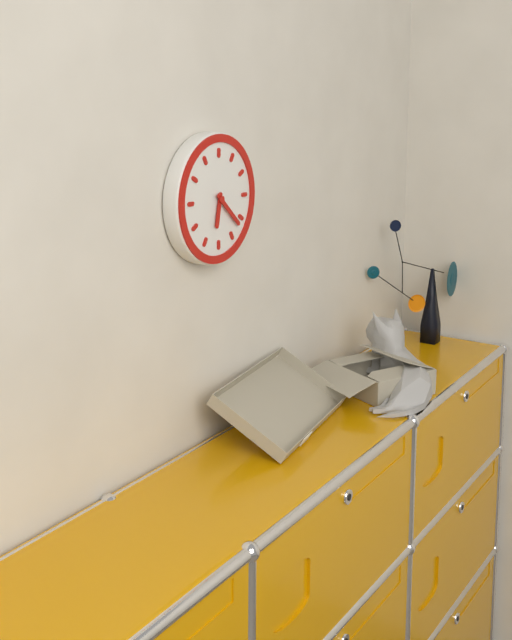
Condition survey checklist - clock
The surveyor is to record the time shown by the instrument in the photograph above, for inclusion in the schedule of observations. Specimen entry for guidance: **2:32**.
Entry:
**6:22**
